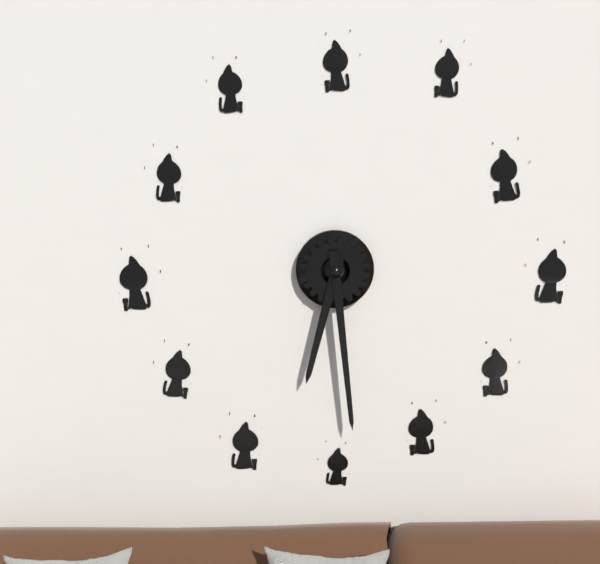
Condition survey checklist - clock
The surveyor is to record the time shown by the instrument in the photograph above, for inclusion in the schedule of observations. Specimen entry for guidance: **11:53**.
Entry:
**6:29**
